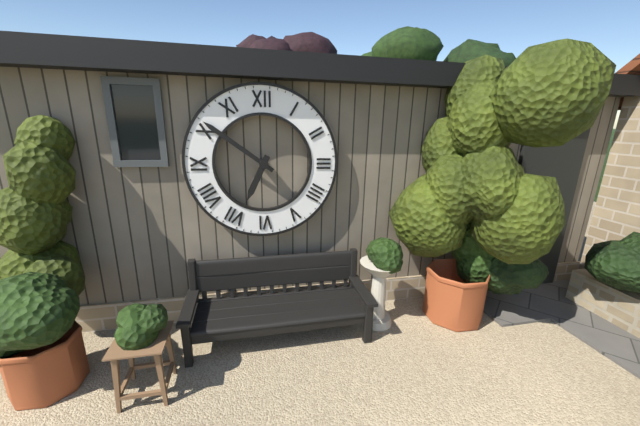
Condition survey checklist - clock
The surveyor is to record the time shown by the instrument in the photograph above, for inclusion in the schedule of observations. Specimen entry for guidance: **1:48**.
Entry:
**6:51**
